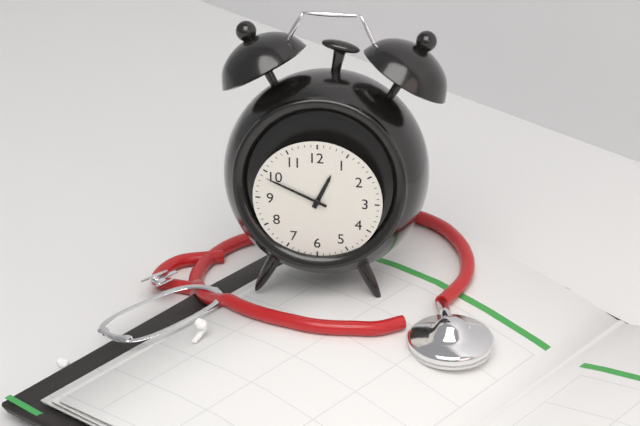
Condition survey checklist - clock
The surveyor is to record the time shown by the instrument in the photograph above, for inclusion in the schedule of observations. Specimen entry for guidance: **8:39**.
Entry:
**12:49**
